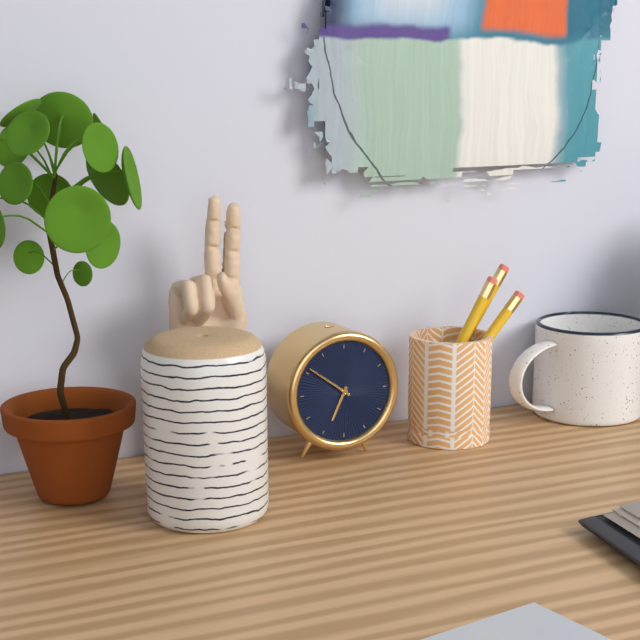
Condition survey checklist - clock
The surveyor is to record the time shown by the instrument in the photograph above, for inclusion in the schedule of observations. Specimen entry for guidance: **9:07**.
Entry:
**6:51**
